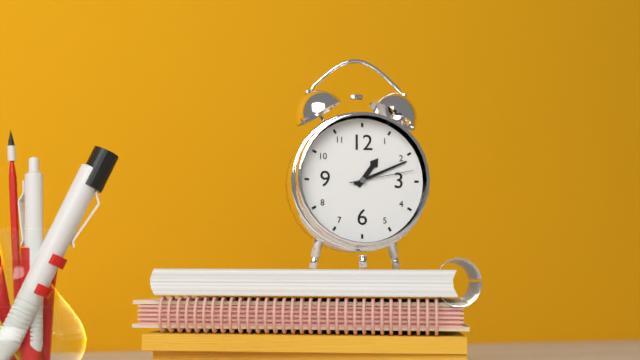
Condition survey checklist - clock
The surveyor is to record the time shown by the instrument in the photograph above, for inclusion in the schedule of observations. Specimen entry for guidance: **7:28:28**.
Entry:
**1:11:13**
